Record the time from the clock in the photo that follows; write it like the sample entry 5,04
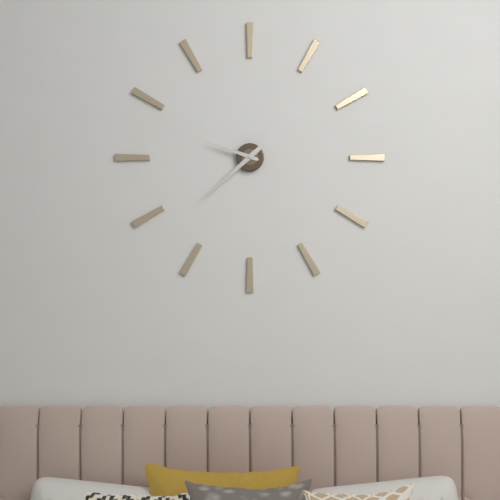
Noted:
9,38
